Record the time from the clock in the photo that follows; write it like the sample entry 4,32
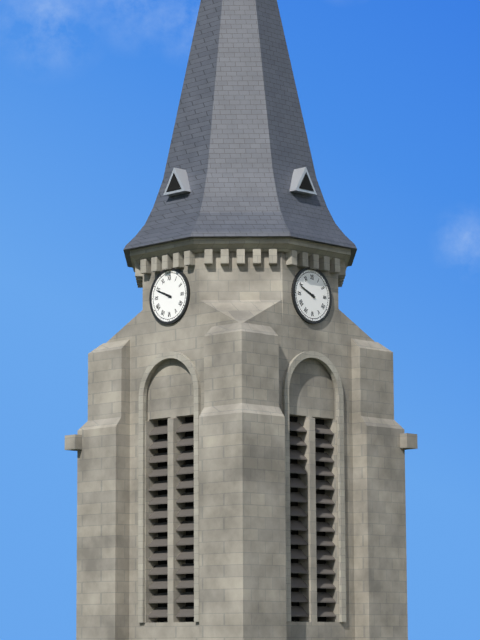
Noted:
9,49
